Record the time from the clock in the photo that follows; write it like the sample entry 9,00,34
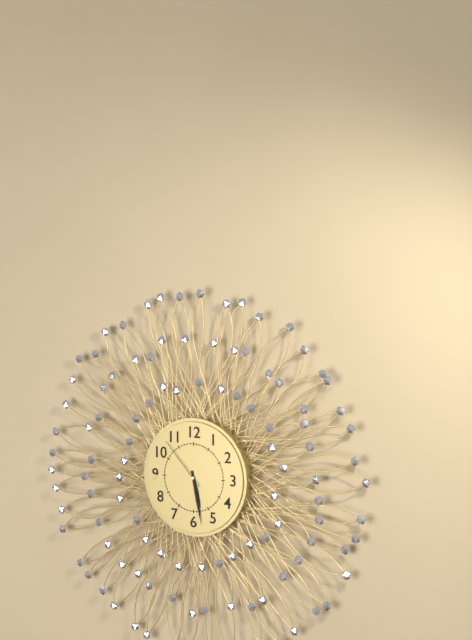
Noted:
5,28,53
